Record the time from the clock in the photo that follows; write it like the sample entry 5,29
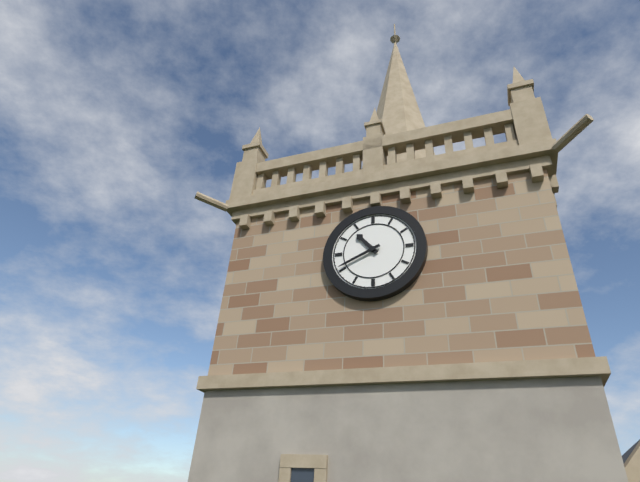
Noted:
10,41
